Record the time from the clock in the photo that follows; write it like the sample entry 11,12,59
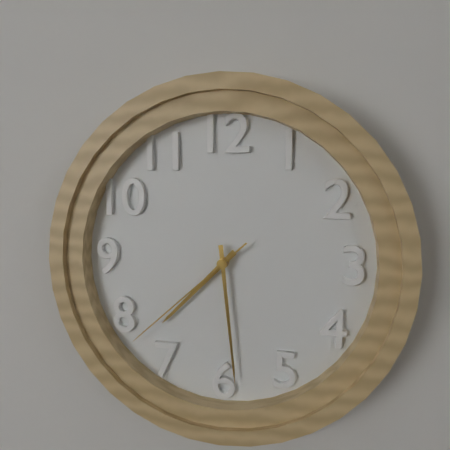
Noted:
7,29,38
